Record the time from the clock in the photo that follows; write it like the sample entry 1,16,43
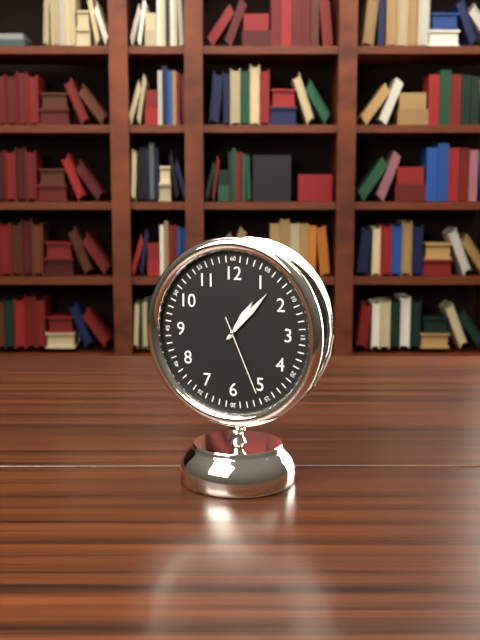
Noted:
1,07,26
